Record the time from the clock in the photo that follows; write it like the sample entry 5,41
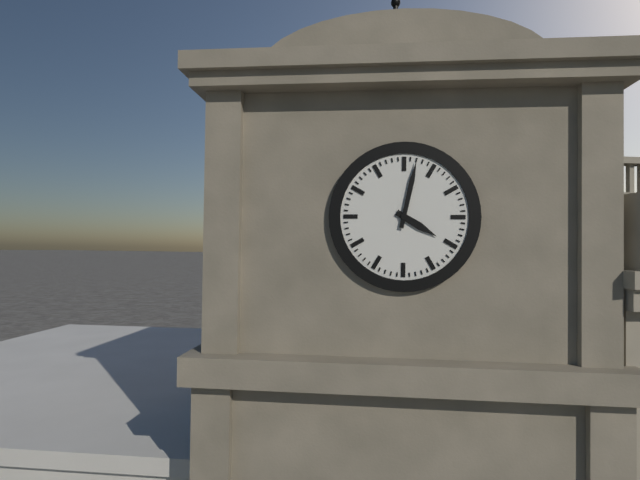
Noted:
4,02
